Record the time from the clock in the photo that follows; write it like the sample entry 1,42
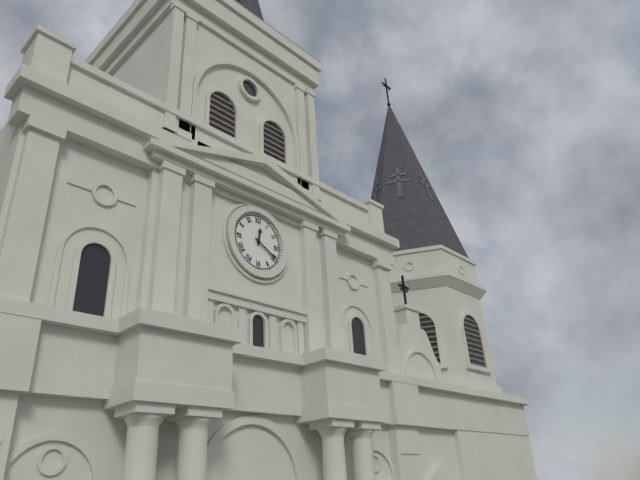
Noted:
12,20
